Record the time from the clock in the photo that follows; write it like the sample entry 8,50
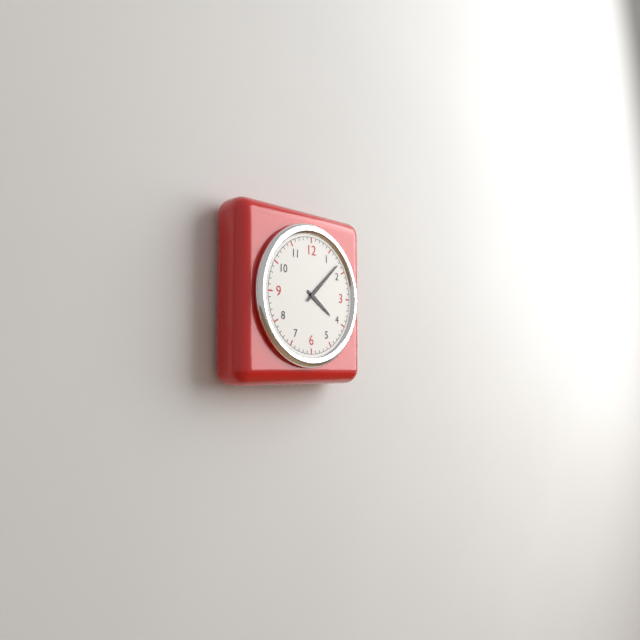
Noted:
4,08
